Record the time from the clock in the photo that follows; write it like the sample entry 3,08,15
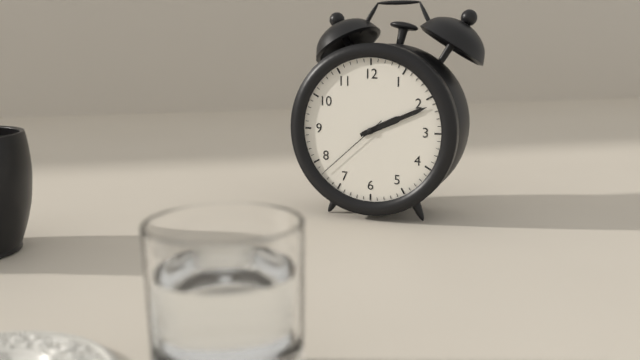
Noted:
2,11,38
